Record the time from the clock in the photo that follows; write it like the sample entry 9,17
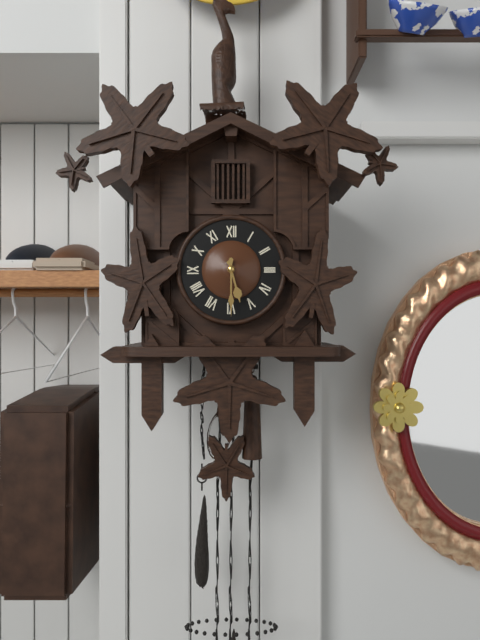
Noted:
5,30
